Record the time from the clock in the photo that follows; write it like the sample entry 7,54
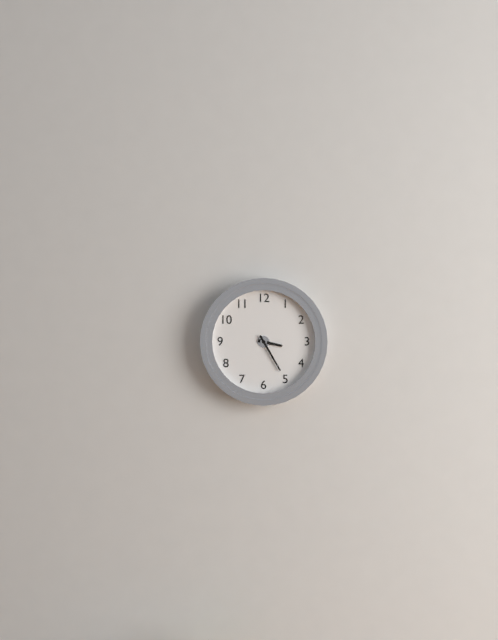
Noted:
3,25
